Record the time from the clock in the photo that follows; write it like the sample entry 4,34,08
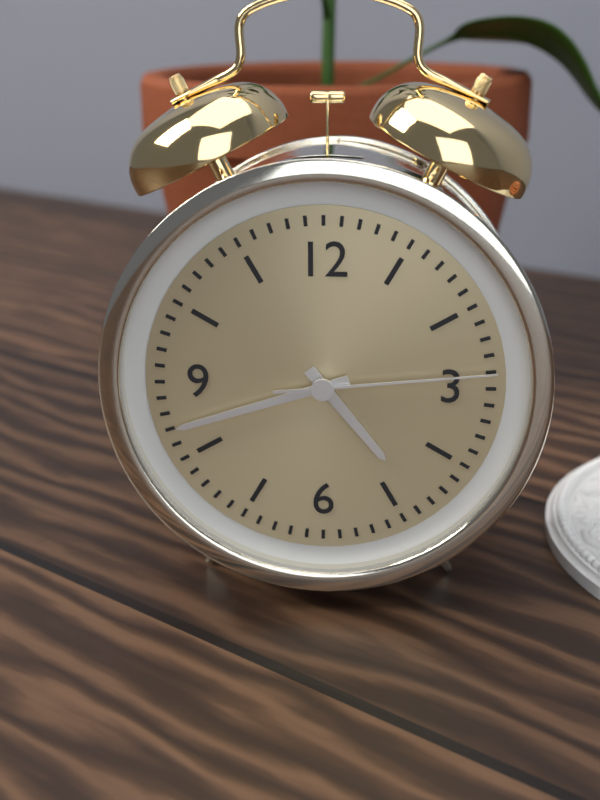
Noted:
4,42,14
